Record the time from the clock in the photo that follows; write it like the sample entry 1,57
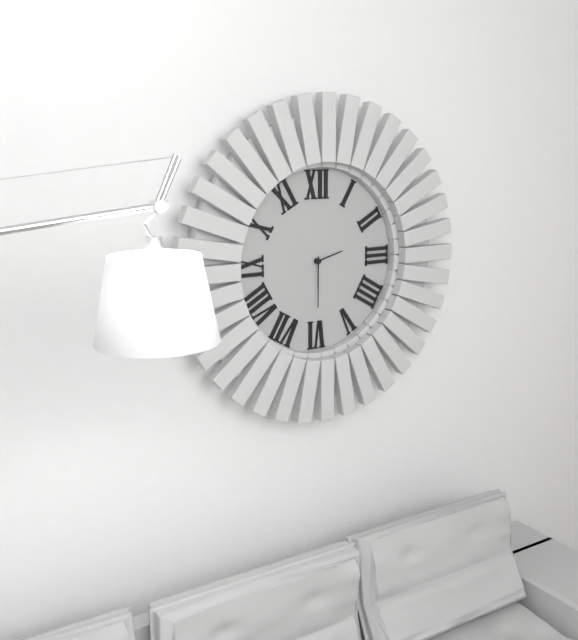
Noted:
2,30
